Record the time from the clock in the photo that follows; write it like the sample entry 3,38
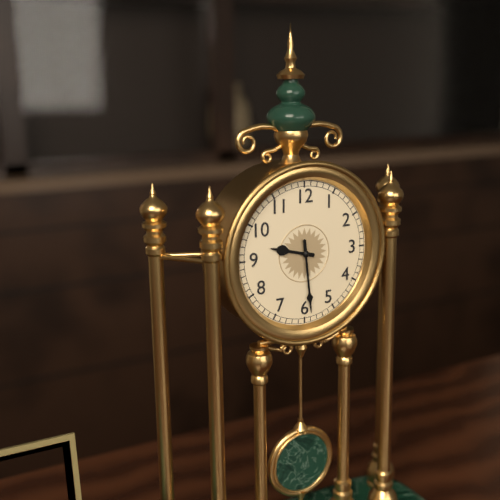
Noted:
9,29
